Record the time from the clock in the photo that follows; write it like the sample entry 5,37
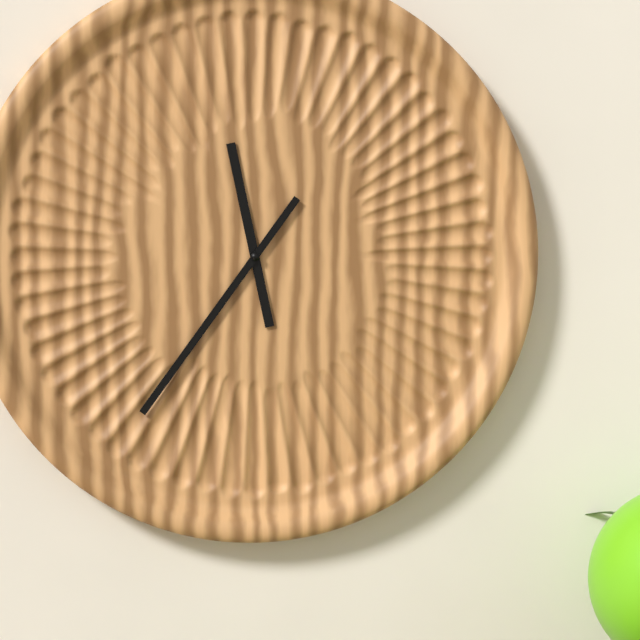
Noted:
11,36
